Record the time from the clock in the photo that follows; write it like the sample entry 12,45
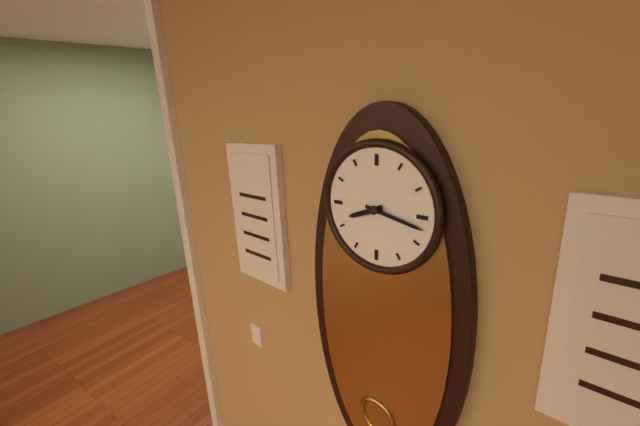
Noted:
8,17
